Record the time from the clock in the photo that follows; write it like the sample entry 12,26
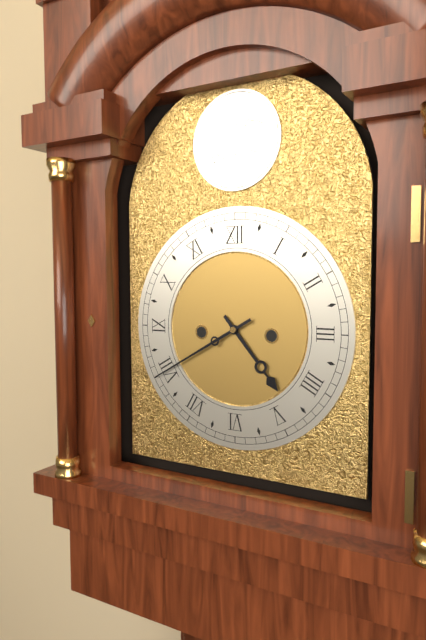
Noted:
4,40
